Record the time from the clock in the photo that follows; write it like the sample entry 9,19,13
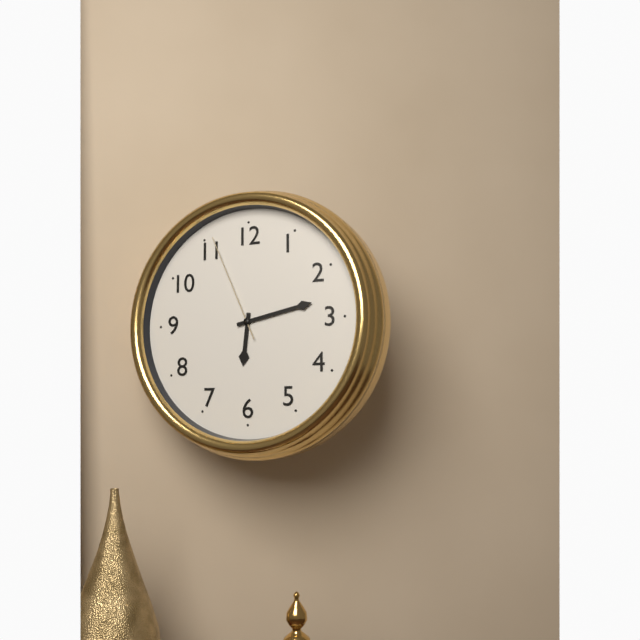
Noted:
6,13,56
